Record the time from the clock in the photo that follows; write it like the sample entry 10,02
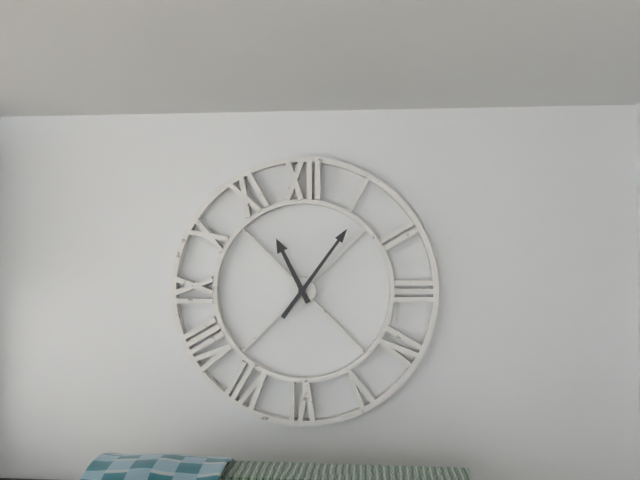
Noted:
11,06
